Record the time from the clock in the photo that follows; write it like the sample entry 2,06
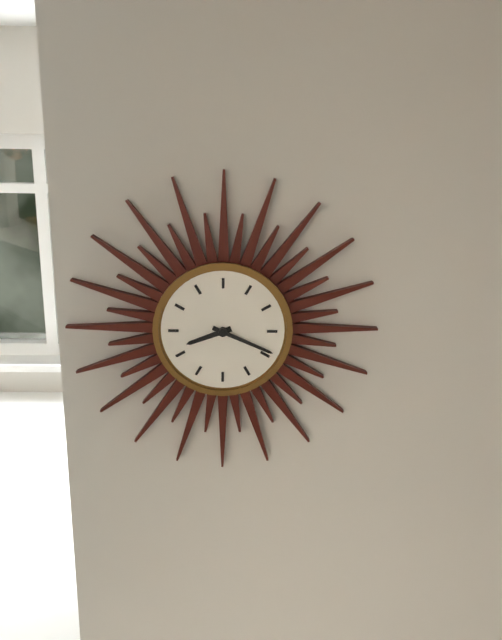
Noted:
8,19
